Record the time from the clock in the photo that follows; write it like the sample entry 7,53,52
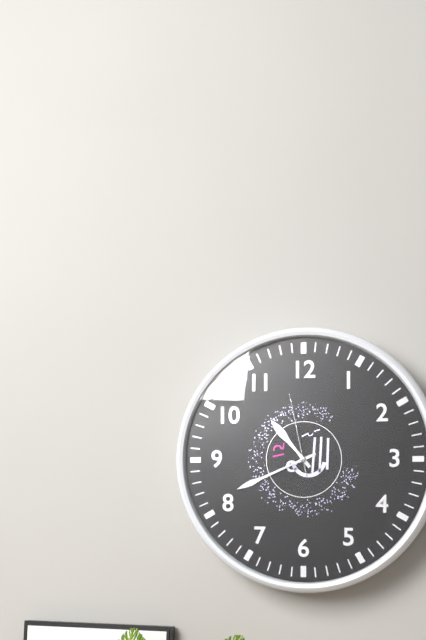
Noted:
10,41,58
